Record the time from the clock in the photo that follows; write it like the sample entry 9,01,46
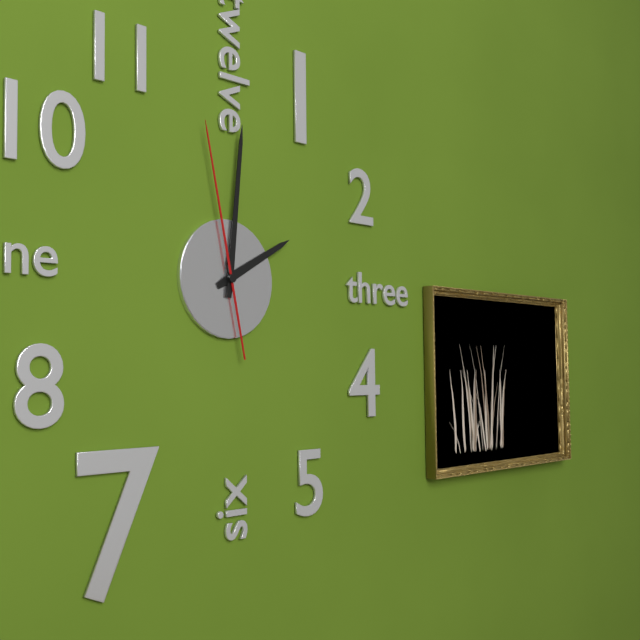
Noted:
2,01,58
